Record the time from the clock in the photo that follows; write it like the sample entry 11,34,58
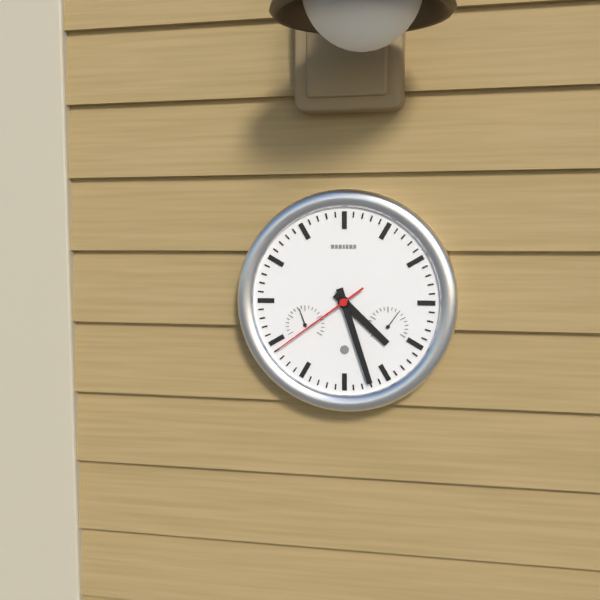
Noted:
4,27,39
